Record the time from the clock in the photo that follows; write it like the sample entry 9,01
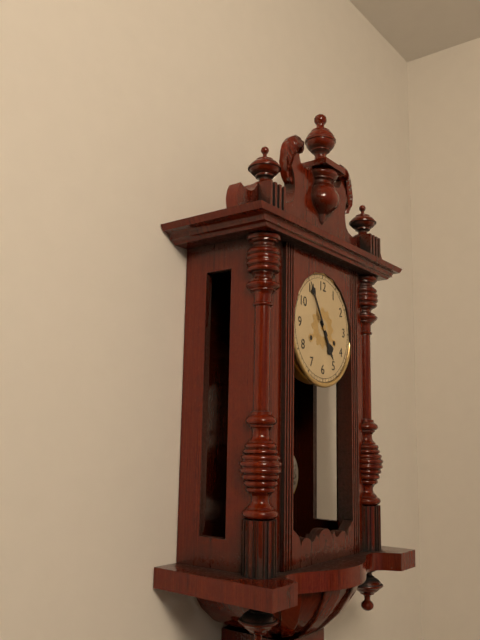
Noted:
4,55
